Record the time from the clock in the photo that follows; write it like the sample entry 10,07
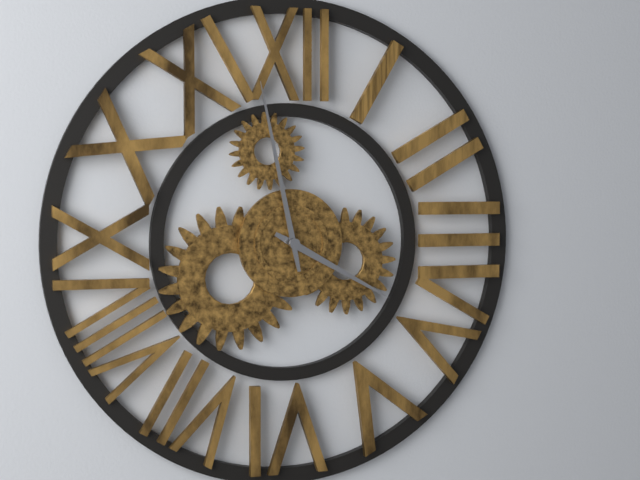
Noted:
3,58
